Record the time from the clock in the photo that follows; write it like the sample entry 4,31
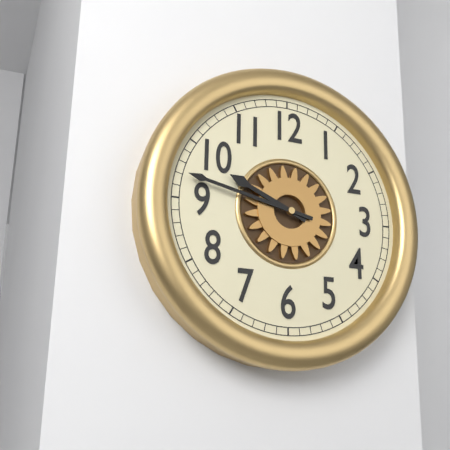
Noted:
9,47
